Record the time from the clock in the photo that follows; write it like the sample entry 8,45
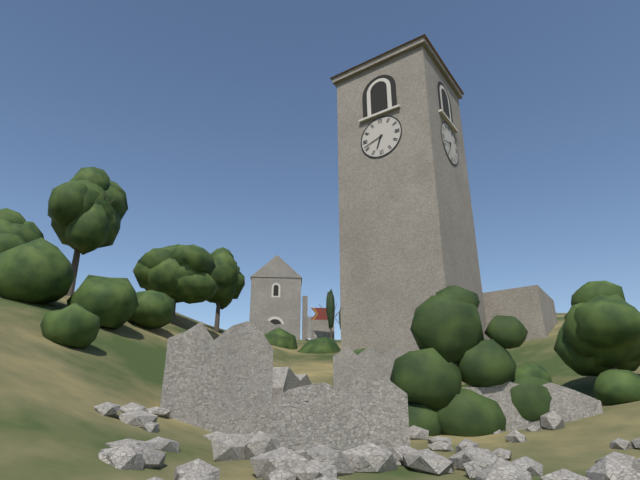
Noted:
6,42
